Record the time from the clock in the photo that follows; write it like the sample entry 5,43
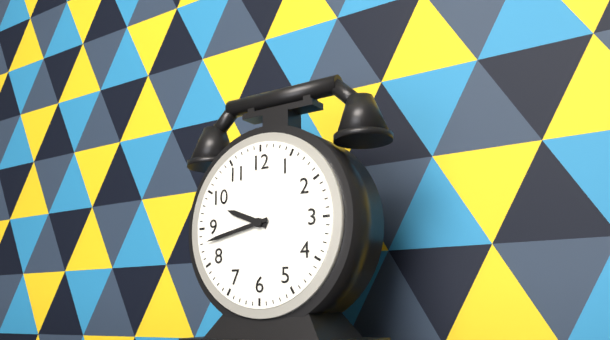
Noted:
9,43
